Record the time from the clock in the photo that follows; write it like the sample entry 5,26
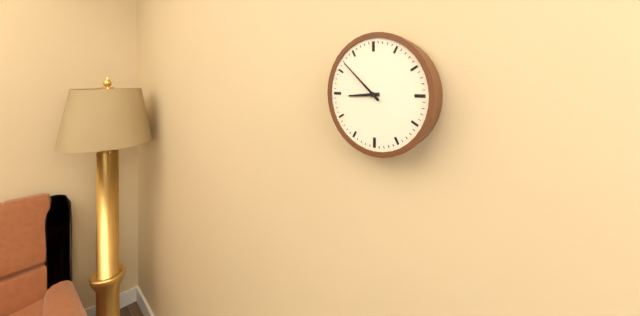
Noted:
8,52
